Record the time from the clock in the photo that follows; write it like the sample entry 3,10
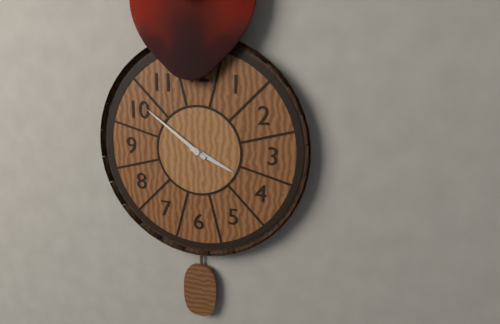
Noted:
3,51
